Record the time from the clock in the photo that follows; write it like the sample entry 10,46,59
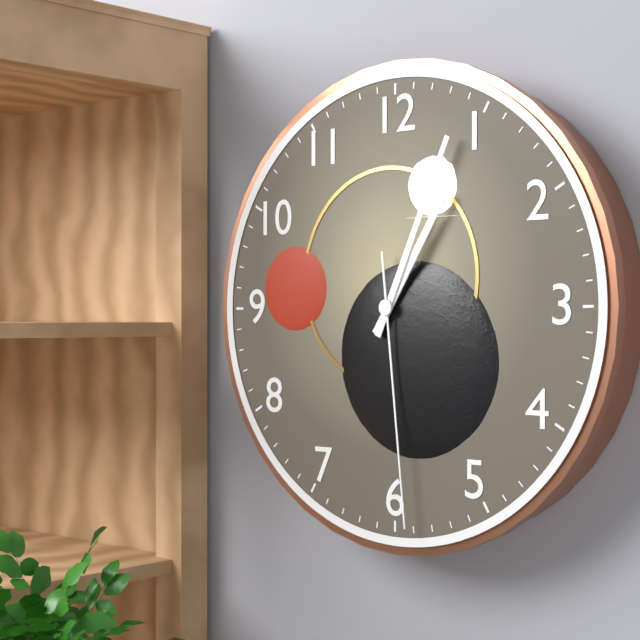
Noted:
1,04,29
